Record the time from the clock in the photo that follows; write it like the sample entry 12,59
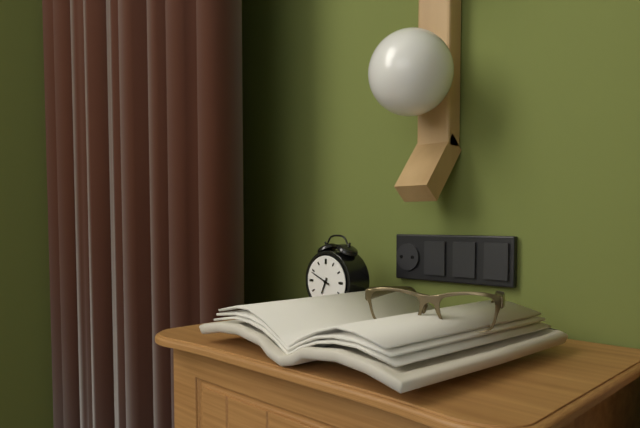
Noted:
6,49
